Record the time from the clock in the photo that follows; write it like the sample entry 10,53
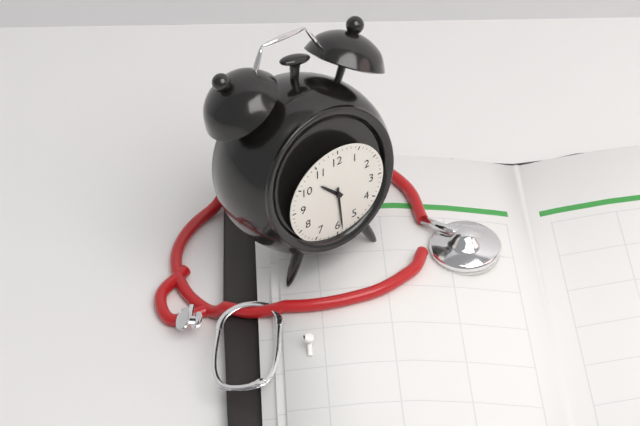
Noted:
10,29
